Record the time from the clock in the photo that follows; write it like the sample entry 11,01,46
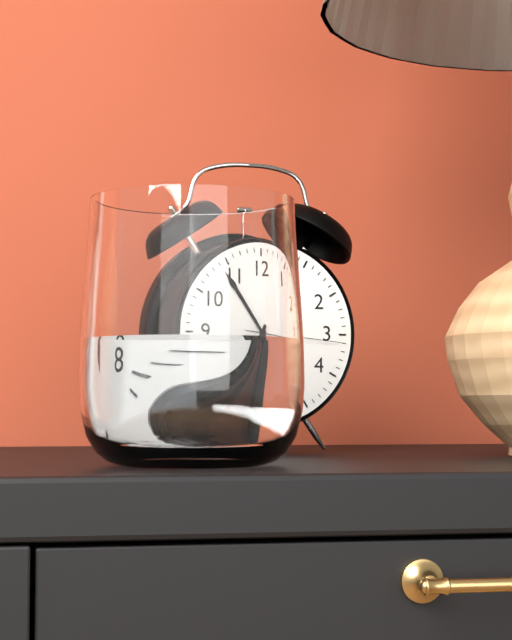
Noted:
6,54,16
